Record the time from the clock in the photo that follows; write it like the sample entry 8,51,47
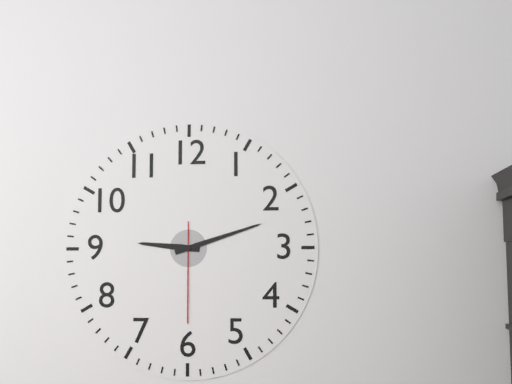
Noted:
9,12,30
